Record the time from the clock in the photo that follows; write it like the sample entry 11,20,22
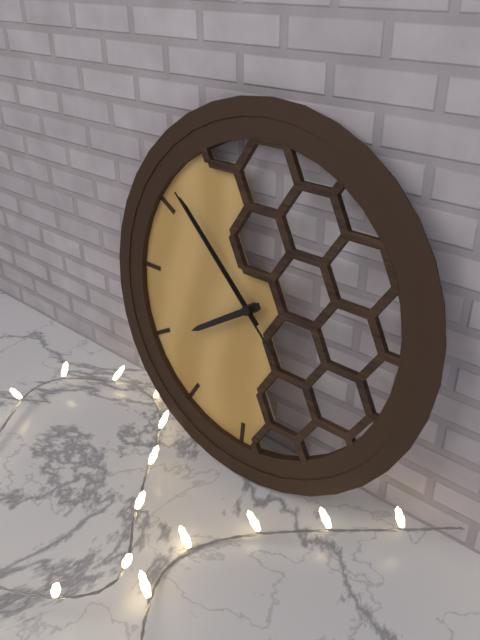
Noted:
7,52,52
